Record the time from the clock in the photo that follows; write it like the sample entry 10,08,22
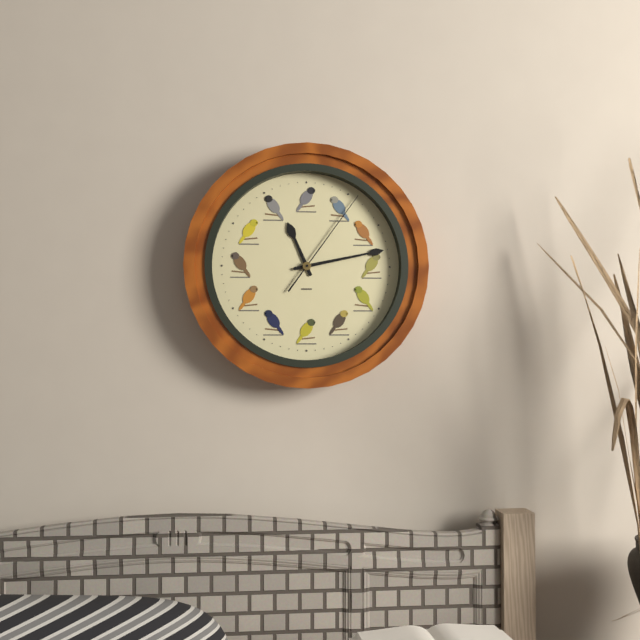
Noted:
11,13,06
